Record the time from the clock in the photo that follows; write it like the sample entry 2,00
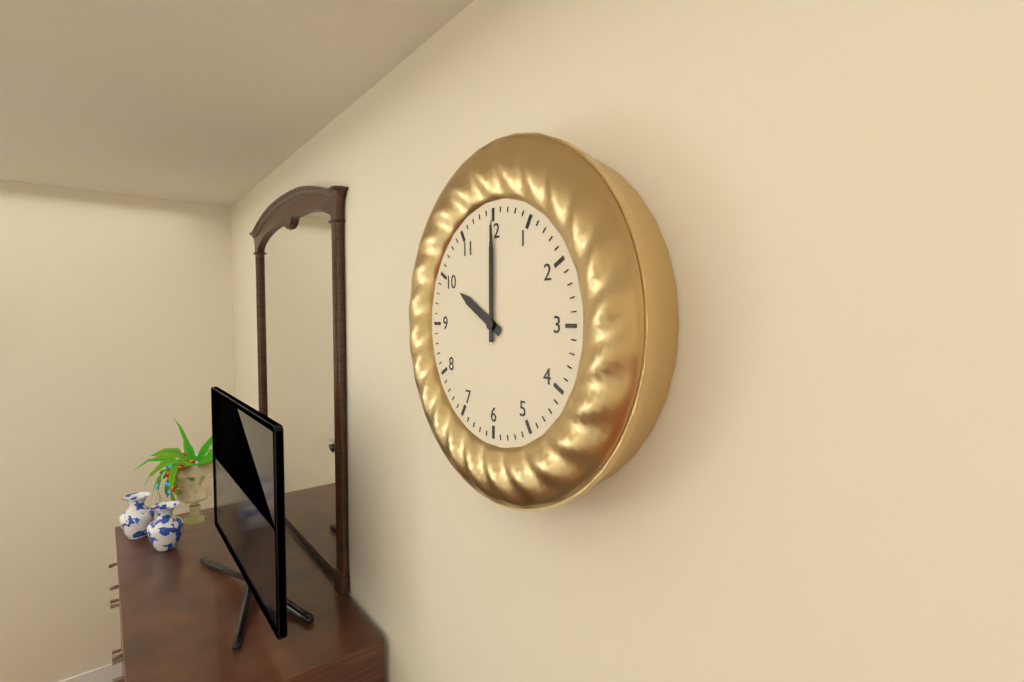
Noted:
10,00
